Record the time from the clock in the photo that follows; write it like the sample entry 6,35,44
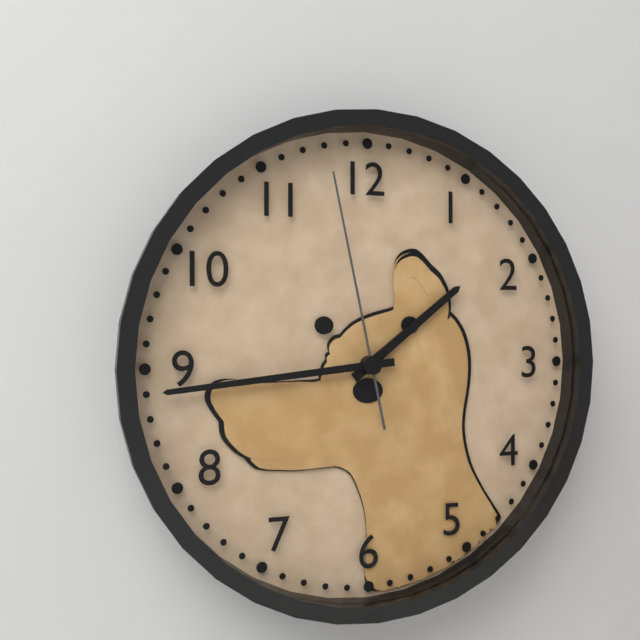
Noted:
1,44,58
